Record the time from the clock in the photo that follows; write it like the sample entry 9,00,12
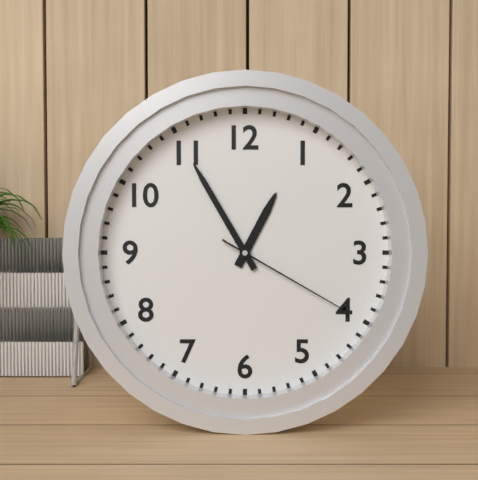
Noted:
12,55,20
